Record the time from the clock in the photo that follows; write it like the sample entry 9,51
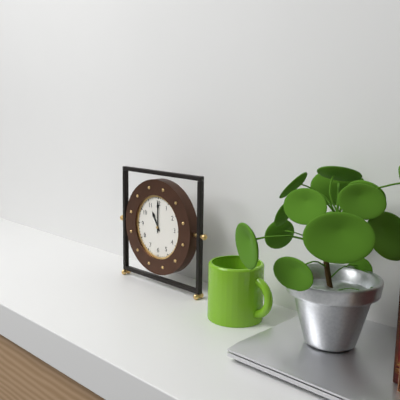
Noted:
11,00
